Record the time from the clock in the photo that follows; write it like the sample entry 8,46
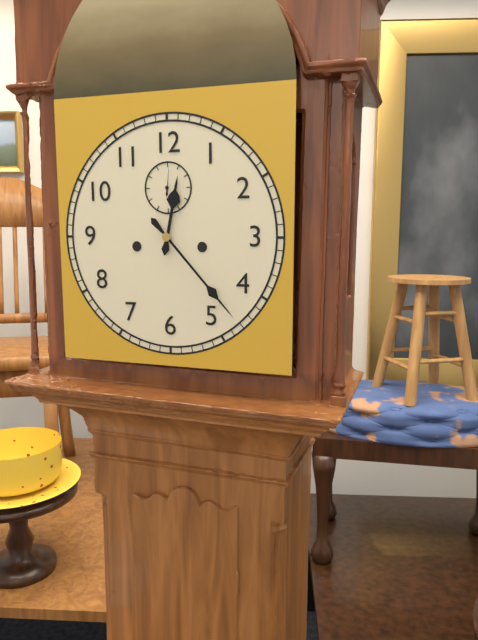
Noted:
12,23
